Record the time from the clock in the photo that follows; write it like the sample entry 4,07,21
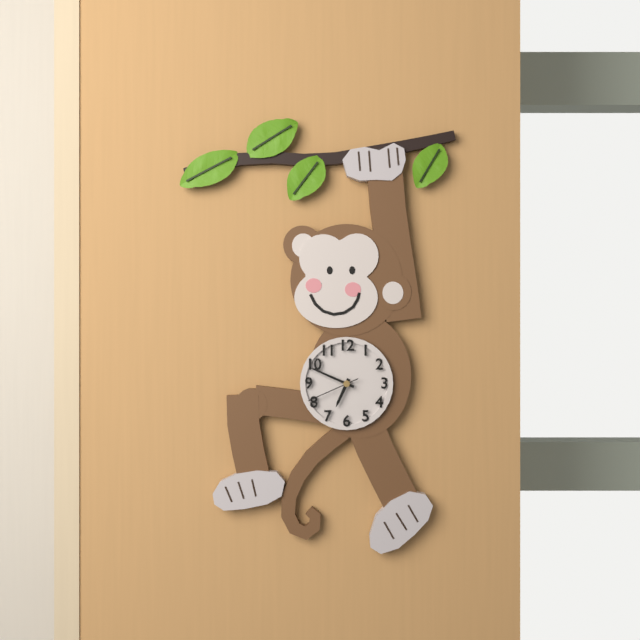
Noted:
6,49,41
